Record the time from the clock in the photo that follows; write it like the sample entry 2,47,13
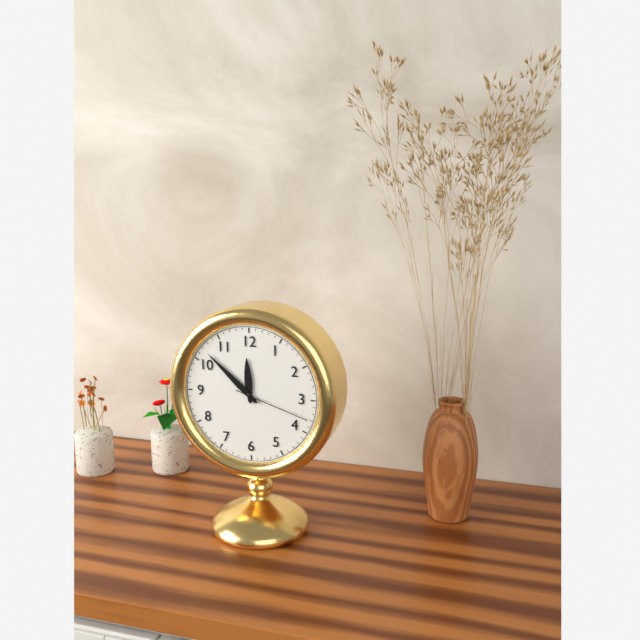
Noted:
11,52,18
